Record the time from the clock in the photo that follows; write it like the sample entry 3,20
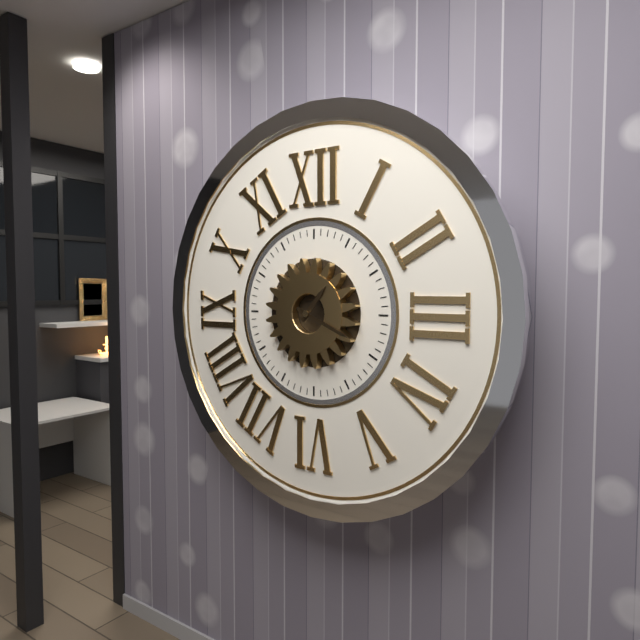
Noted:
1,19
